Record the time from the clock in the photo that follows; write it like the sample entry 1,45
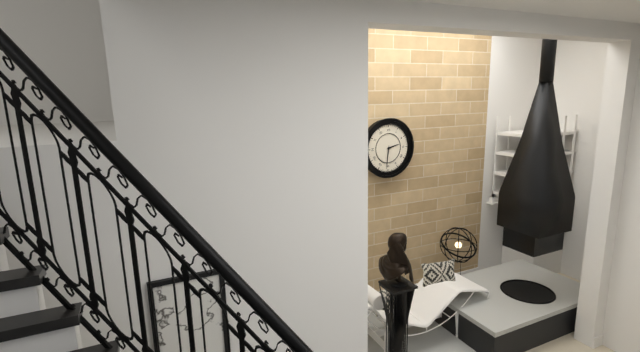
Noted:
2,31
